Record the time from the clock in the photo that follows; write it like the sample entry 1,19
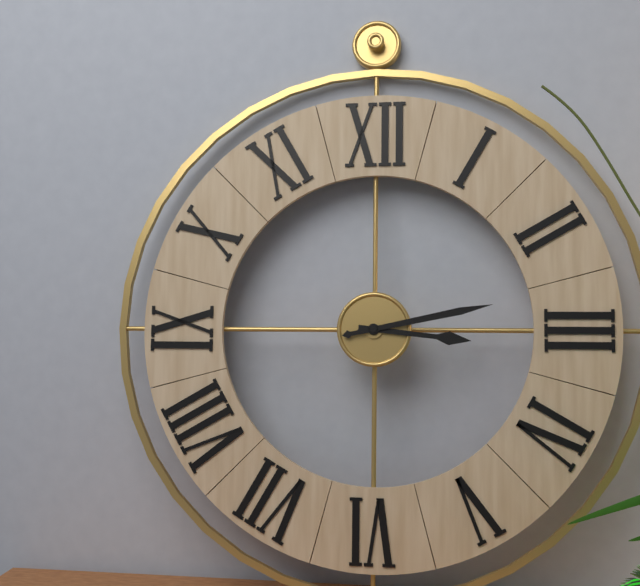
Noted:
3,13
